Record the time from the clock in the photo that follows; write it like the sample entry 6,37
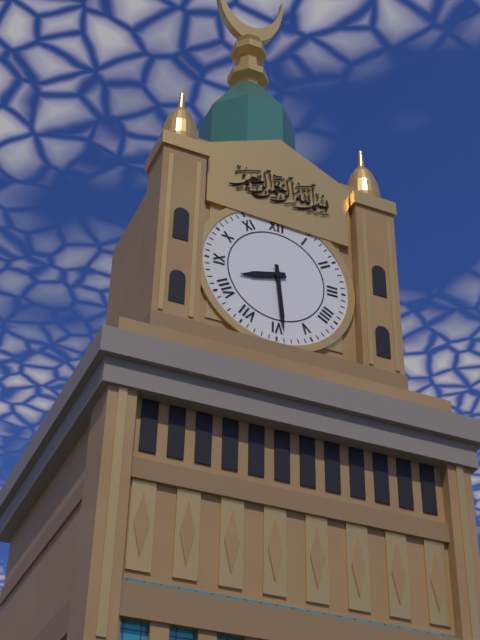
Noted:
8,29
